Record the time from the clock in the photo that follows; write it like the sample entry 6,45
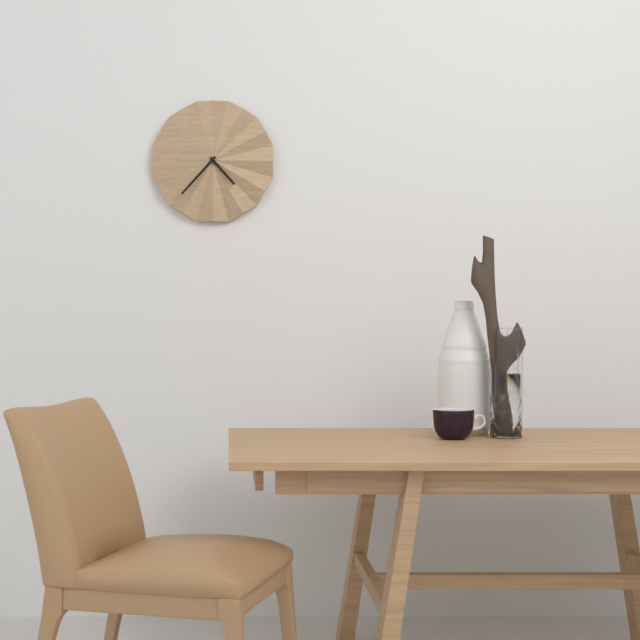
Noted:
4,37
